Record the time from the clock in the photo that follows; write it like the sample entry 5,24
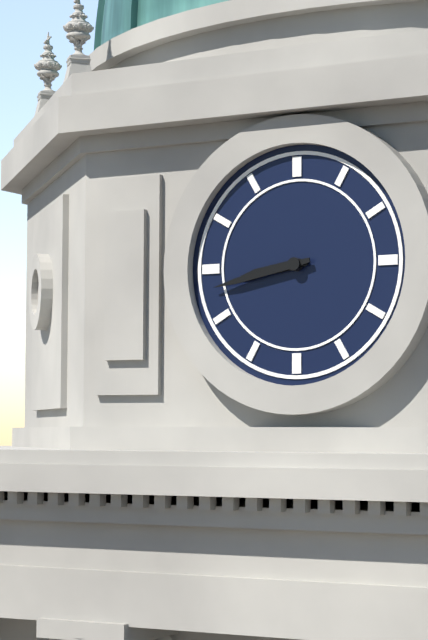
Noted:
8,43
